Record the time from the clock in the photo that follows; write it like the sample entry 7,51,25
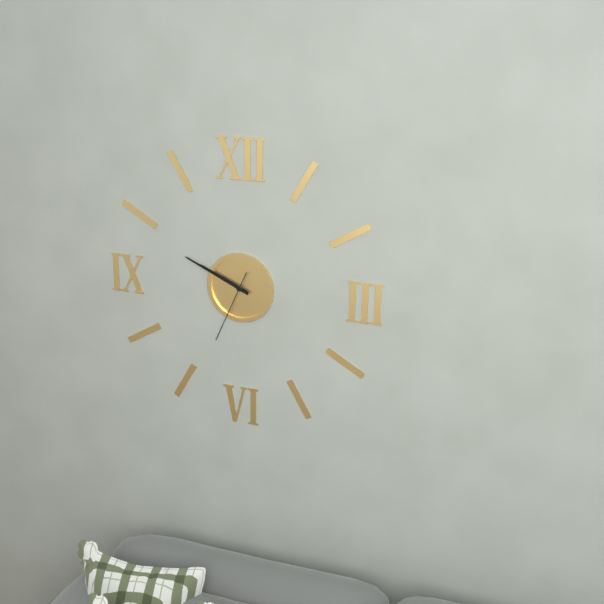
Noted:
9,49,34
